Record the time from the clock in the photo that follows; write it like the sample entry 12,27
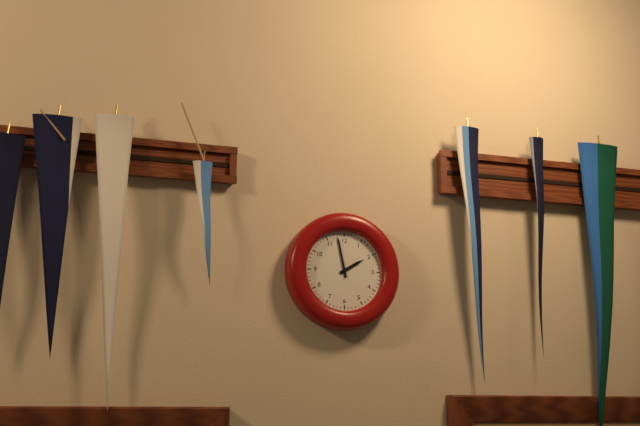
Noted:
1,58
